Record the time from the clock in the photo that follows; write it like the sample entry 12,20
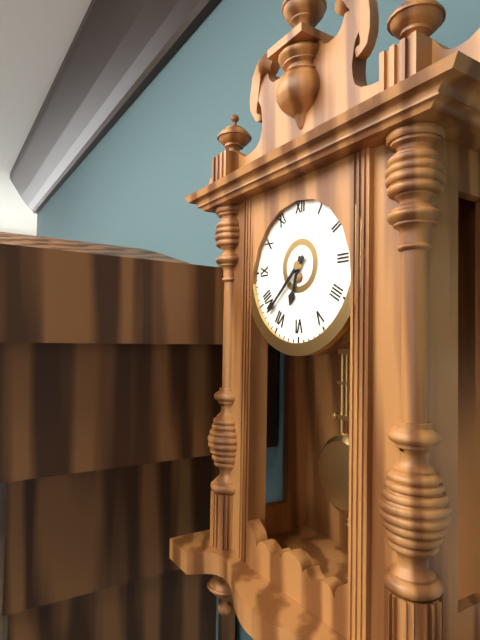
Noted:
6,38
